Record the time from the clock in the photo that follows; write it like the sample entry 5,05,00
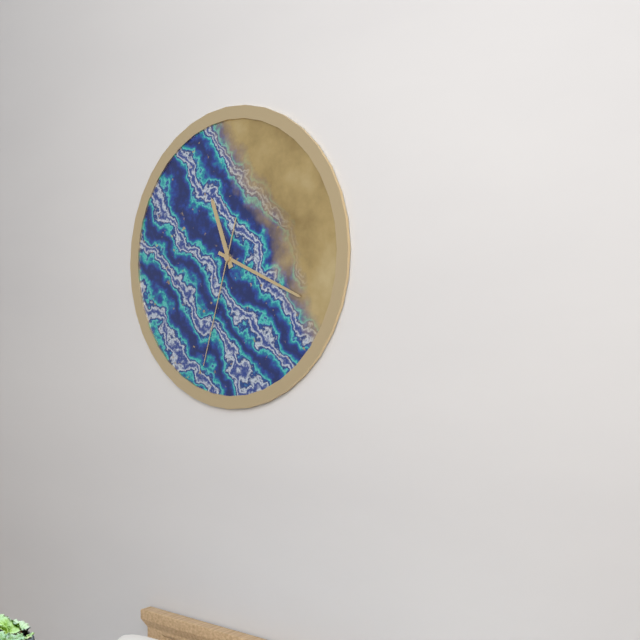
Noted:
11,19,33
